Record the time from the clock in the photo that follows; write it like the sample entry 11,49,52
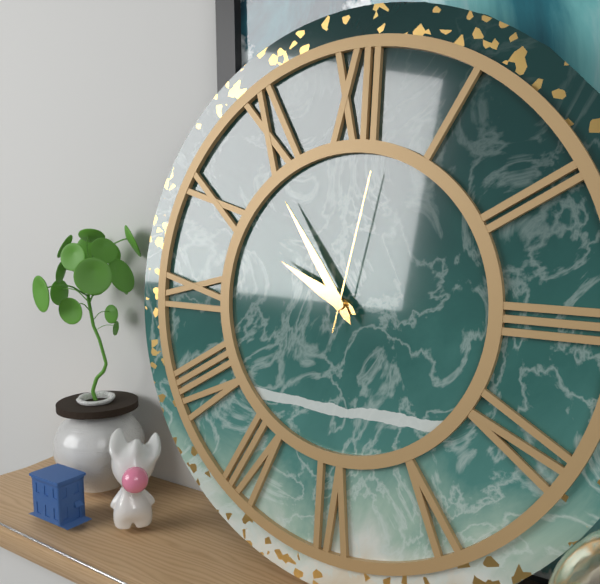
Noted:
9,54,02
